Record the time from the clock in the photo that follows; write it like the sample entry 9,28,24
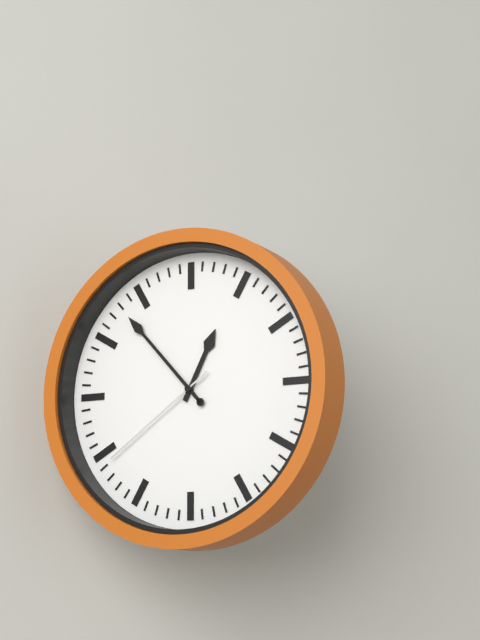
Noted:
12,53,39
